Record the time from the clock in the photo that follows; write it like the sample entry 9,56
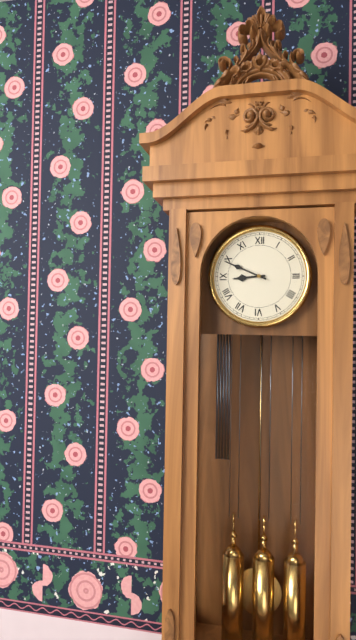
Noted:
8,49
